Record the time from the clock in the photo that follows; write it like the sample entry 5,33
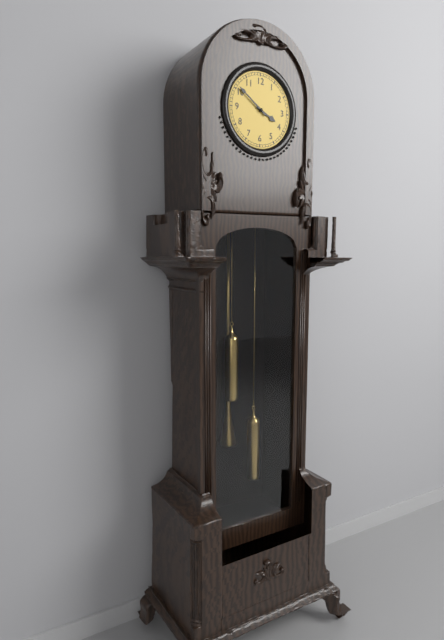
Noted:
3,51
